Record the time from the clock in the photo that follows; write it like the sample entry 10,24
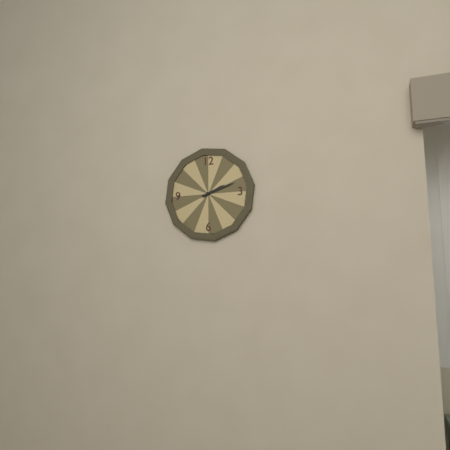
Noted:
2,12
